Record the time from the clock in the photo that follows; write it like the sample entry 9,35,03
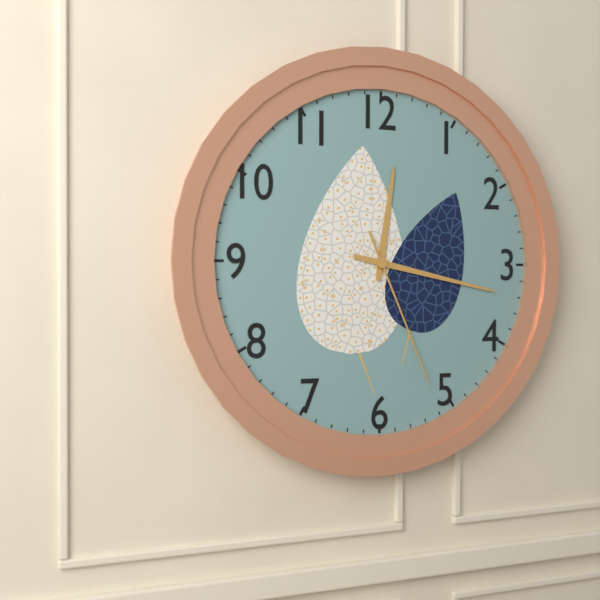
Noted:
12,17,26
